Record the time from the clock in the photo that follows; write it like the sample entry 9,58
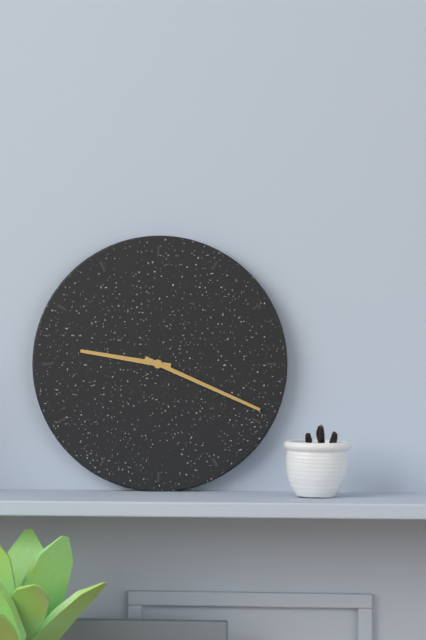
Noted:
9,19
